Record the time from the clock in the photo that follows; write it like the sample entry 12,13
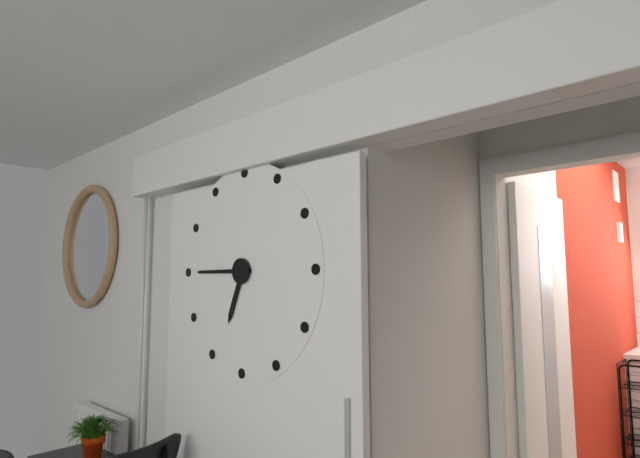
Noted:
6,45
